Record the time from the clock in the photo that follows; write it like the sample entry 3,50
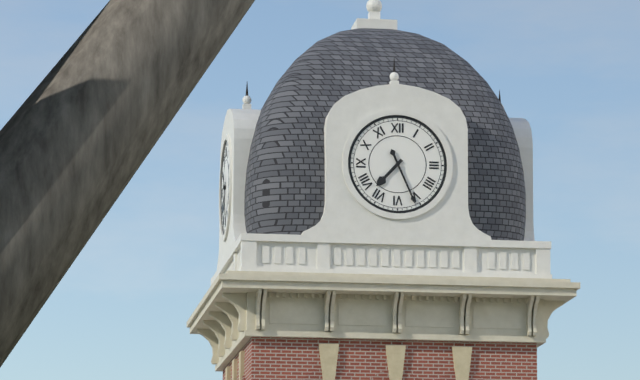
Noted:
7,26
